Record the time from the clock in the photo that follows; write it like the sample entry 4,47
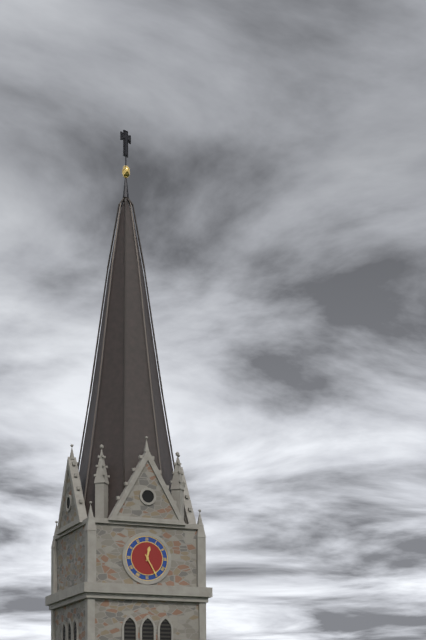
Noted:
12,25
